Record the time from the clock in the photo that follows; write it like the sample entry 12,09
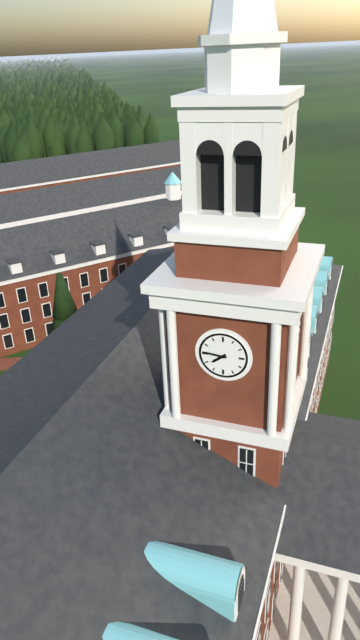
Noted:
7,46
